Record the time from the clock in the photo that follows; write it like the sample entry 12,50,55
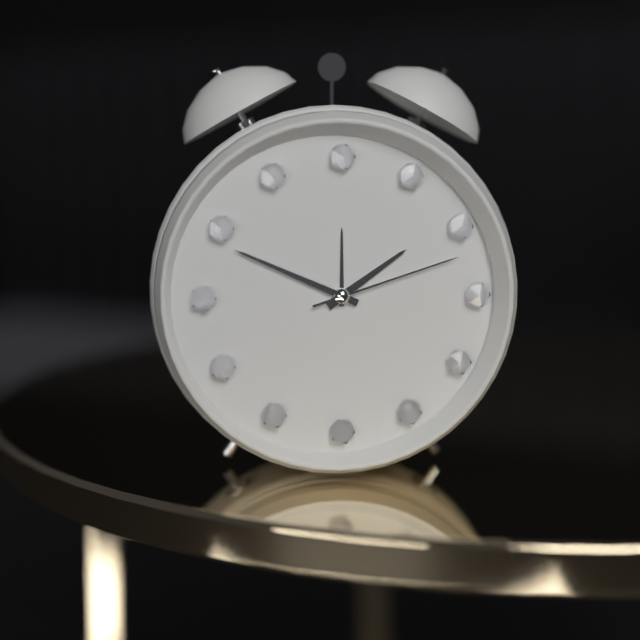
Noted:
1,49,12
